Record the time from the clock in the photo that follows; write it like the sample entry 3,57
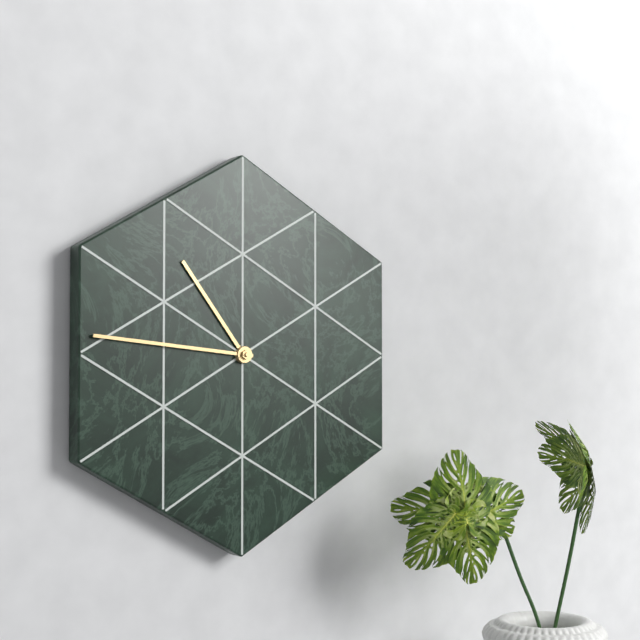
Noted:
10,46
